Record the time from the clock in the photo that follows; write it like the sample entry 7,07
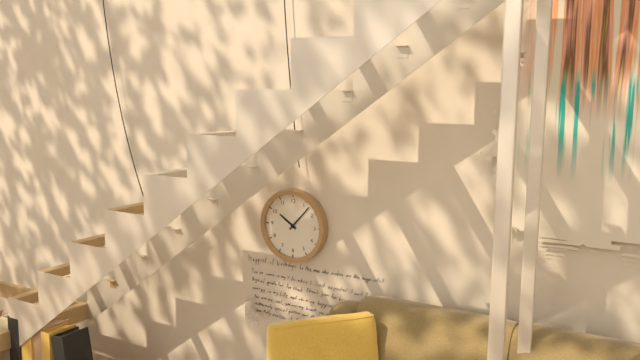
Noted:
10,07
